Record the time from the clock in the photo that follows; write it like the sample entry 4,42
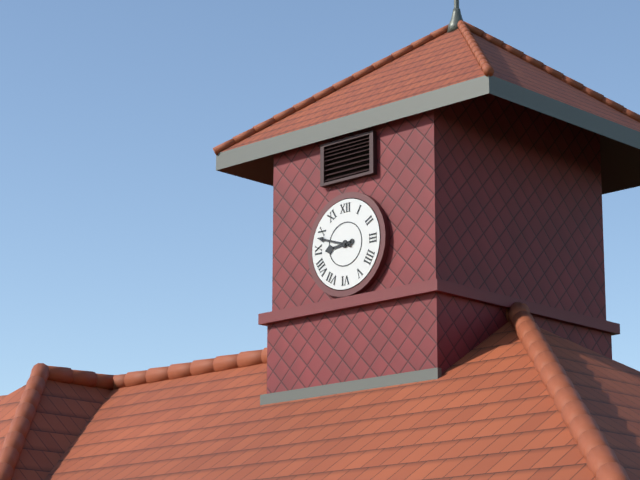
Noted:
8,48
